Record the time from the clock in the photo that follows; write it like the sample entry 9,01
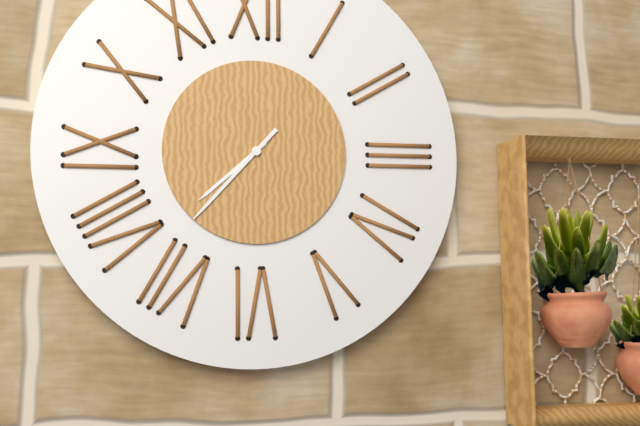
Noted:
7,37
